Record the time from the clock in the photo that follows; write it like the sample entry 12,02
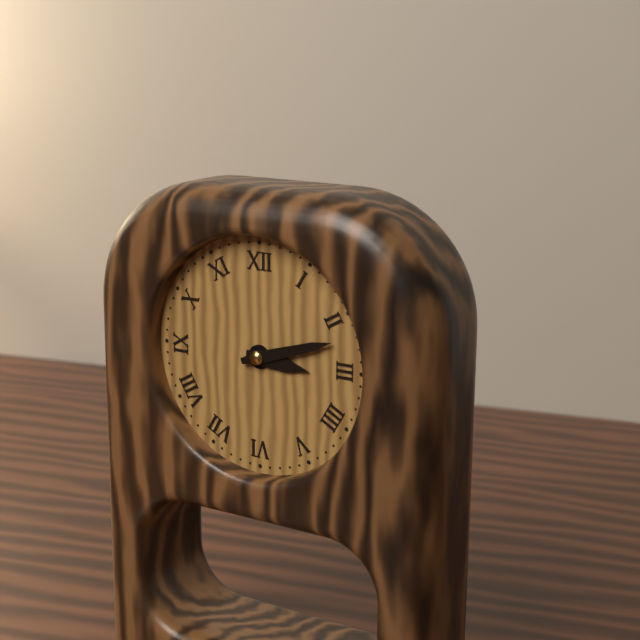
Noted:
3,12
